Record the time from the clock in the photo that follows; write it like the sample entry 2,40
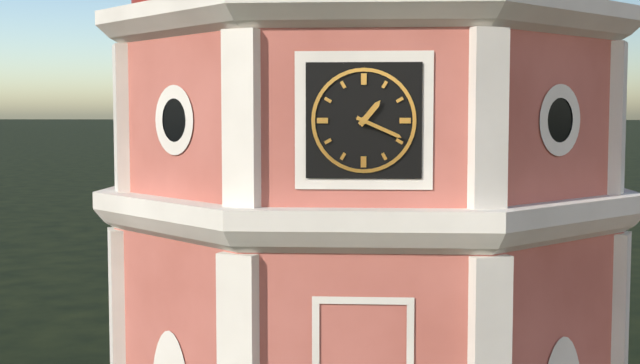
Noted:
1,19
